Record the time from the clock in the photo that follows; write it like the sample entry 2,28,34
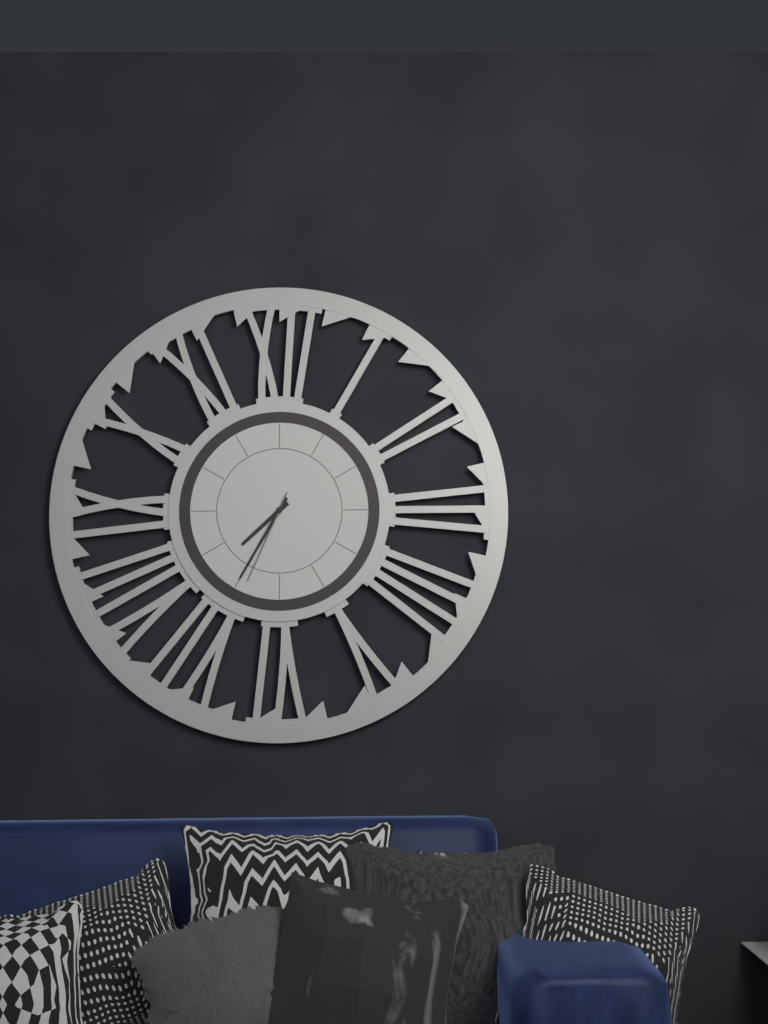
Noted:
7,35,34
